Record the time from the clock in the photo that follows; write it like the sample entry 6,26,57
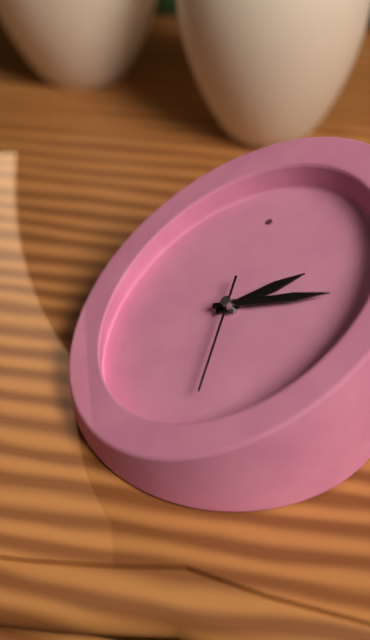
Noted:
3,20,36
